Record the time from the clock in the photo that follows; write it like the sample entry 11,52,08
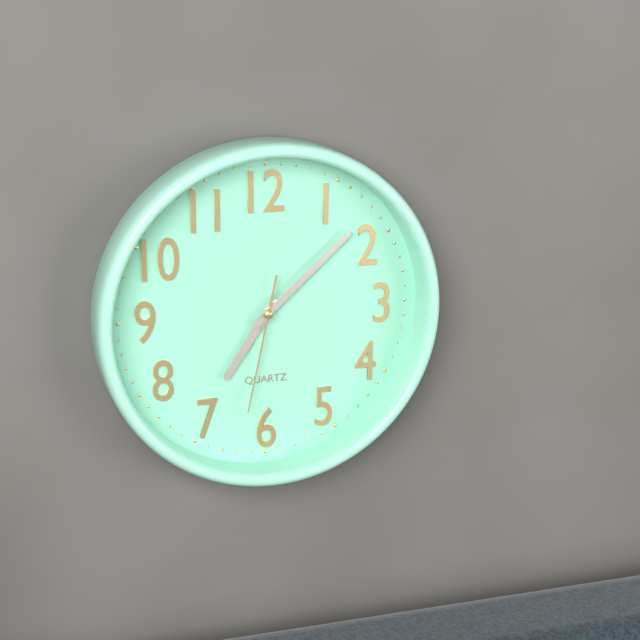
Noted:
7,08,32
